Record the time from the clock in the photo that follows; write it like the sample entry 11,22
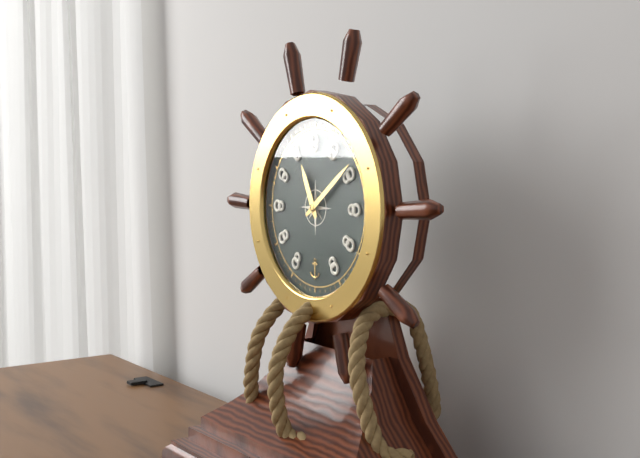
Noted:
11,09
